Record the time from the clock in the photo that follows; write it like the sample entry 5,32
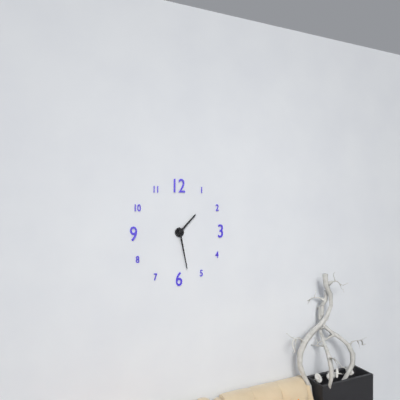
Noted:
1,28
